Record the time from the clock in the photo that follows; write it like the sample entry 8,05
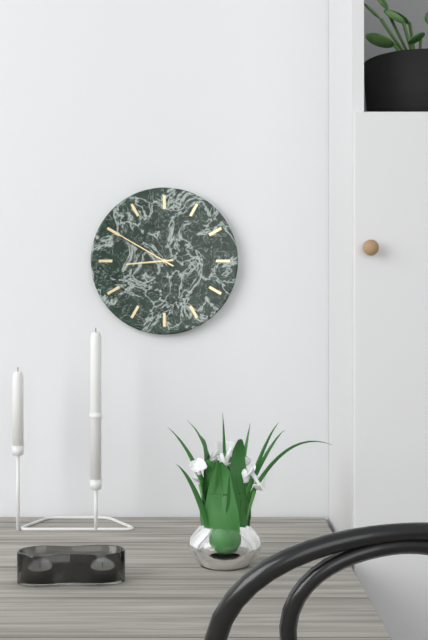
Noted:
8,50
